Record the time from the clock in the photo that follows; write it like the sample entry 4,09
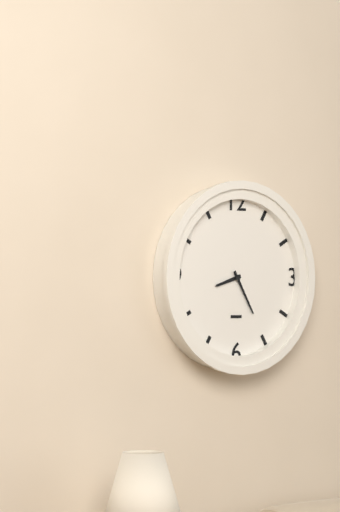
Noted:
8,25
